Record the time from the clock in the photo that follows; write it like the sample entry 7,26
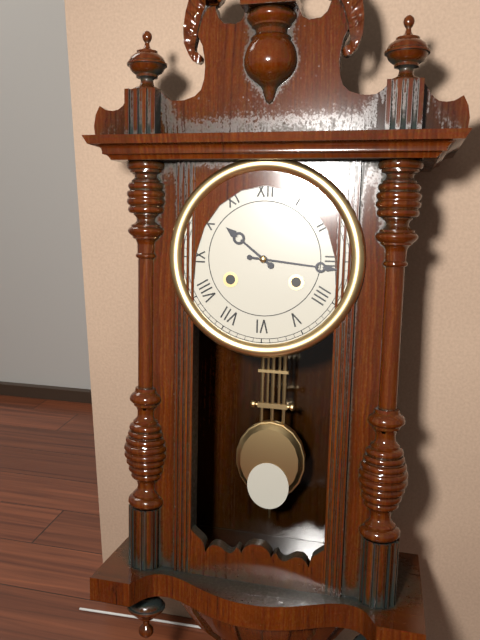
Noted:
10,16
